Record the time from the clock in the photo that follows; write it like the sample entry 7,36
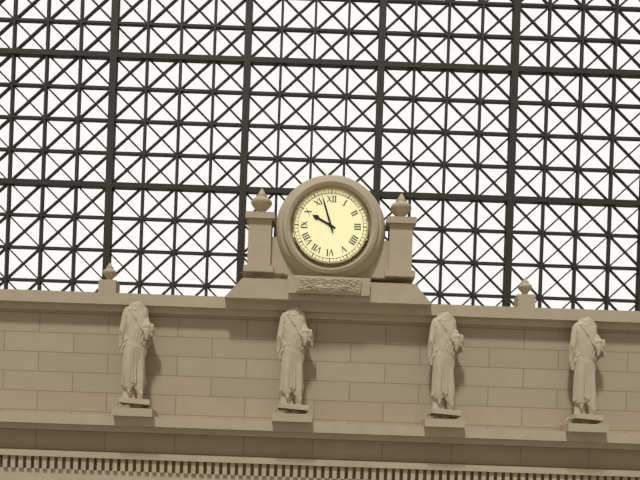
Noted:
9,57
